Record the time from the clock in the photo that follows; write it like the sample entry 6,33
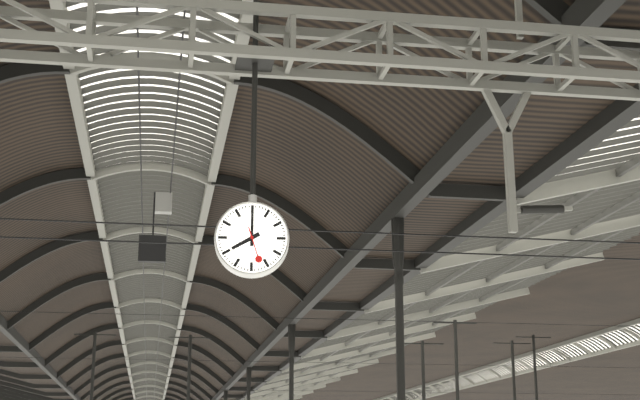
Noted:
8,00
